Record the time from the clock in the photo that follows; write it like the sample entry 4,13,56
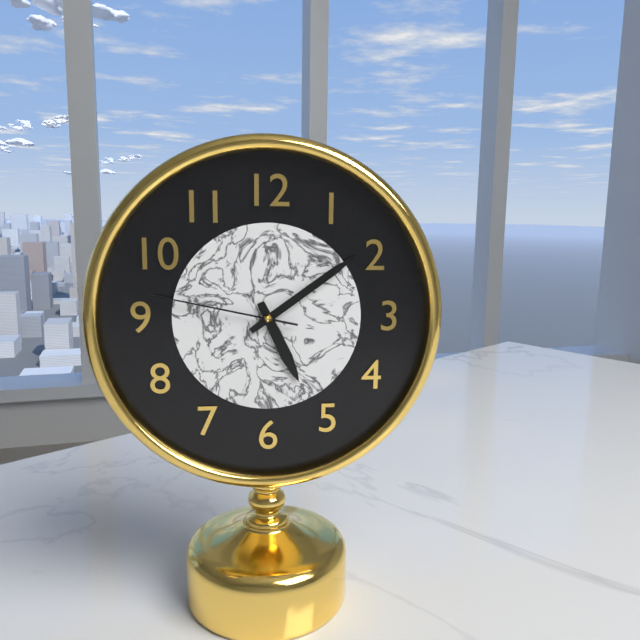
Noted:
5,09,47
